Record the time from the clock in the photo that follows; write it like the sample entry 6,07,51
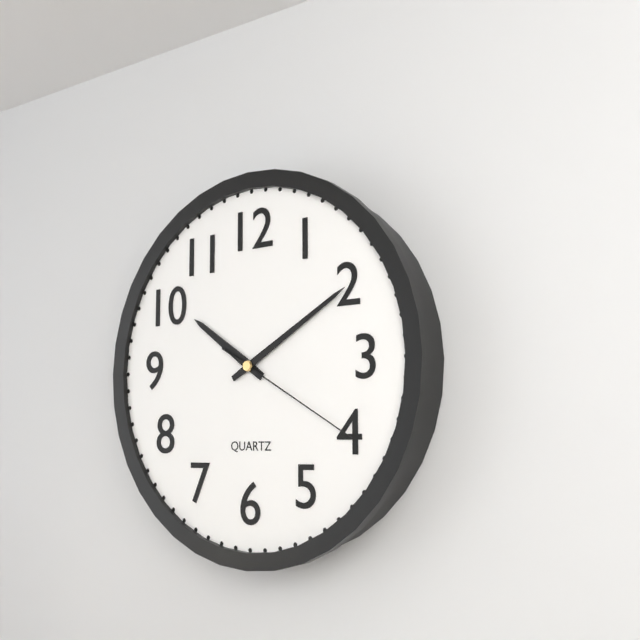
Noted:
10,10,20
